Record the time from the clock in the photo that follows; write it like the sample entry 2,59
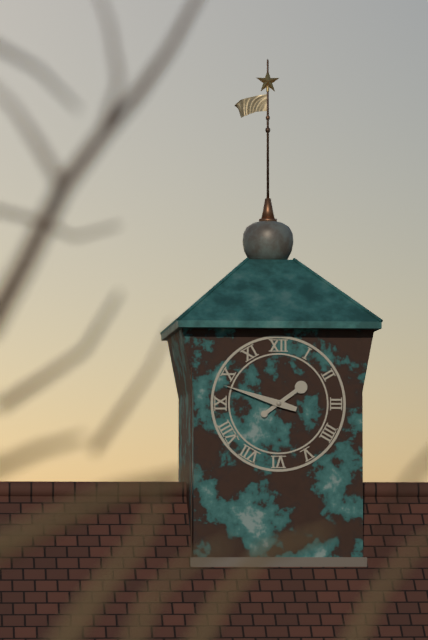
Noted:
1,48
